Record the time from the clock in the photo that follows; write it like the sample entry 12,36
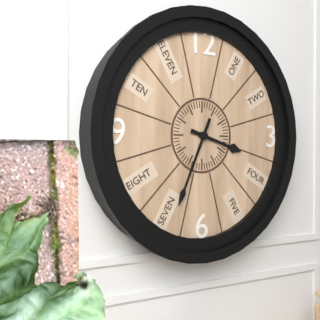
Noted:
3,34
